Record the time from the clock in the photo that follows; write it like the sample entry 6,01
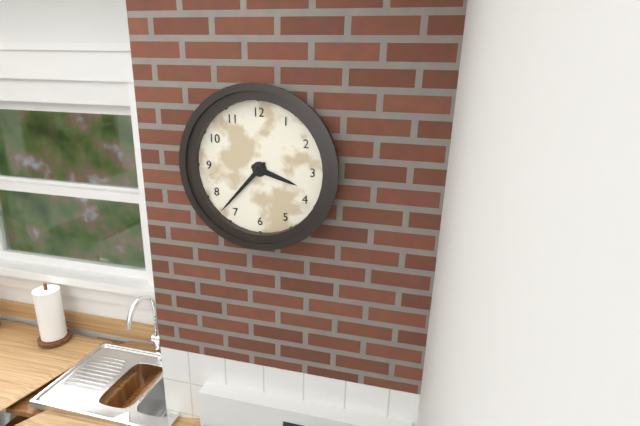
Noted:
3,37
